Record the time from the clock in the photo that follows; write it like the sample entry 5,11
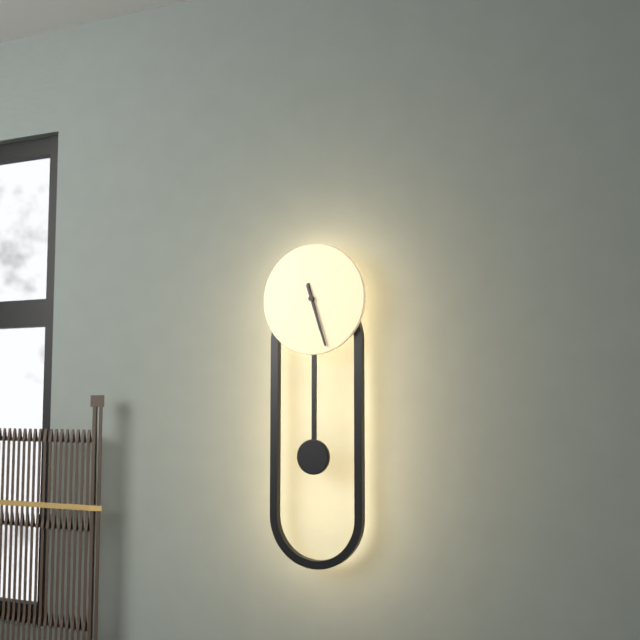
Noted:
5,27
